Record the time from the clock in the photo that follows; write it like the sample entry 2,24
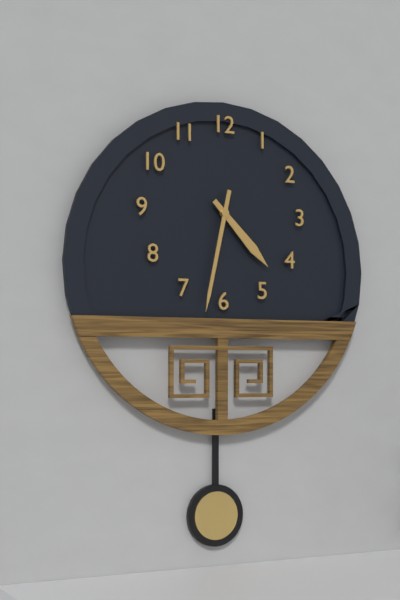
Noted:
4,32
